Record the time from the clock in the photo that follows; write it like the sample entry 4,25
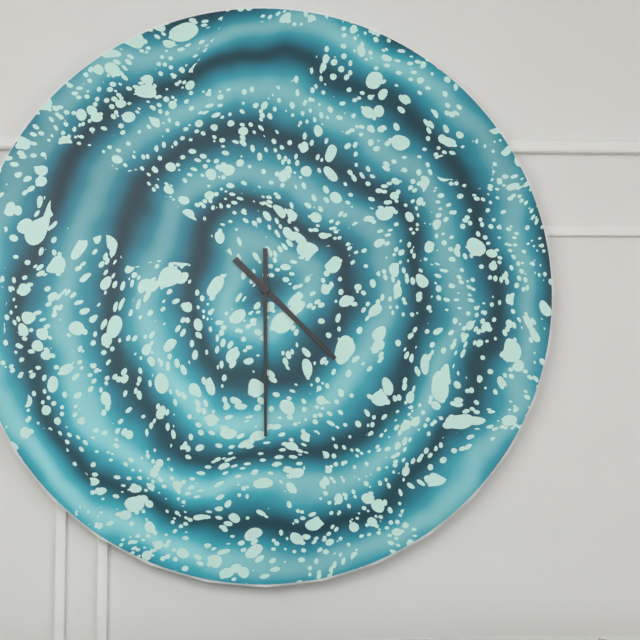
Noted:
4,30
